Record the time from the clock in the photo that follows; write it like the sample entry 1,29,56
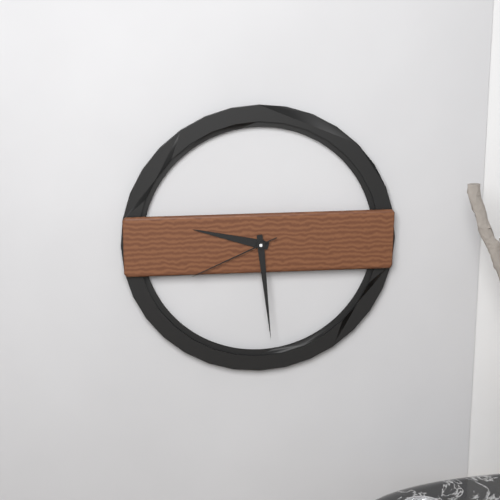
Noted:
9,29,41
